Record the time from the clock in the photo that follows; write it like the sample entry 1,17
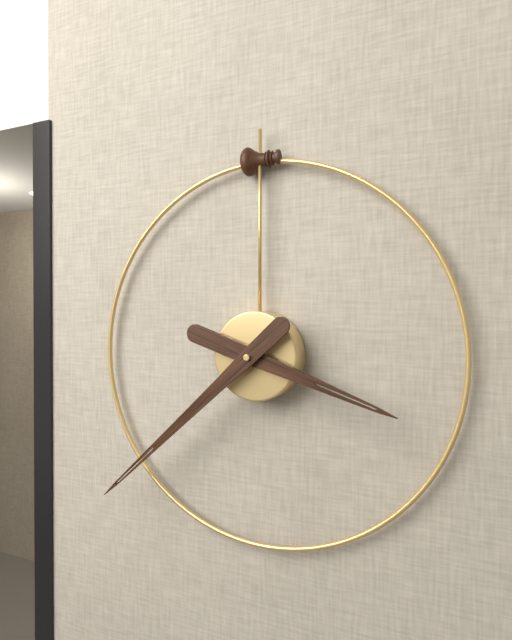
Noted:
3,38
